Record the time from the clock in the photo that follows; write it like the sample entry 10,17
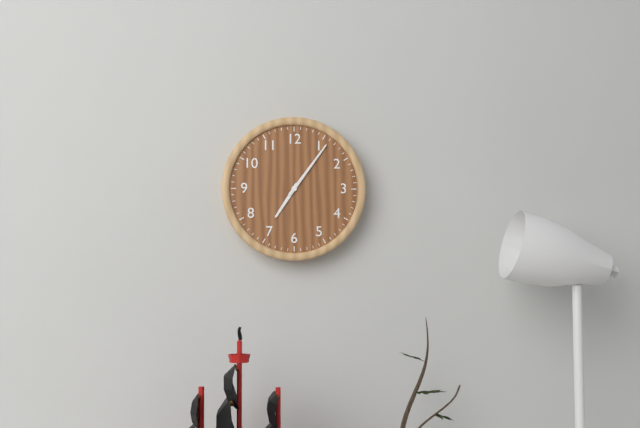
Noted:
7,06
